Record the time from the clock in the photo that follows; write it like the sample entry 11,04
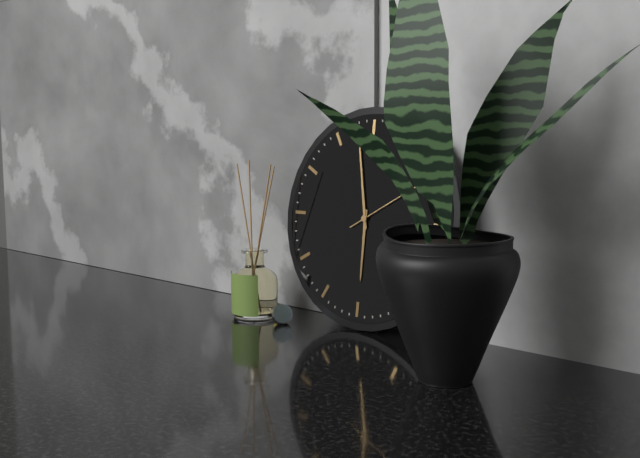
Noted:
5,58
